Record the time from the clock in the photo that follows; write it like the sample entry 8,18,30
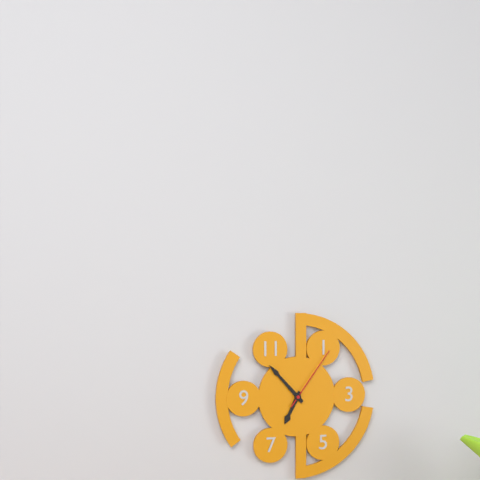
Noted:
6,53,06
